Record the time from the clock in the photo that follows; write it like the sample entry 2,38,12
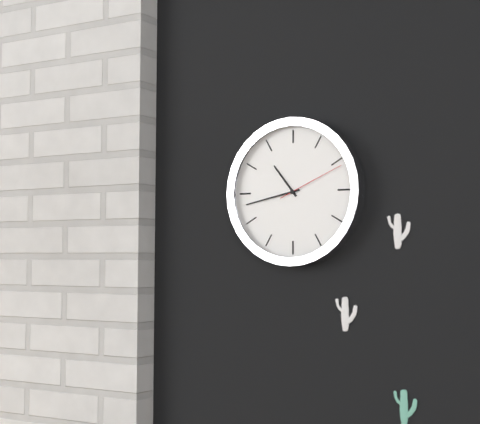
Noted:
10,43,11
